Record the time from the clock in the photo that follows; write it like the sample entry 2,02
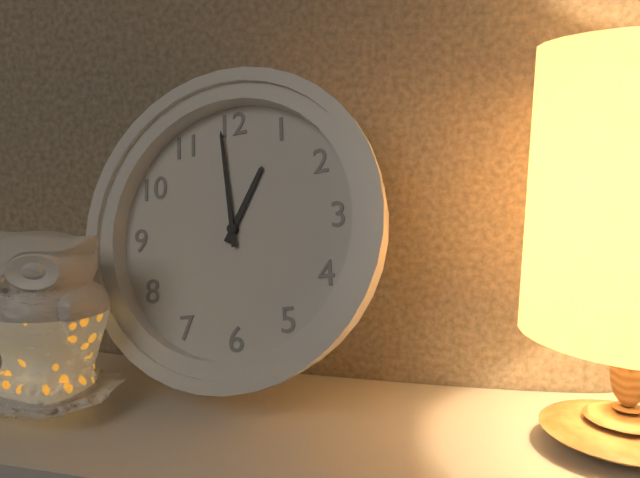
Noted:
12,59
